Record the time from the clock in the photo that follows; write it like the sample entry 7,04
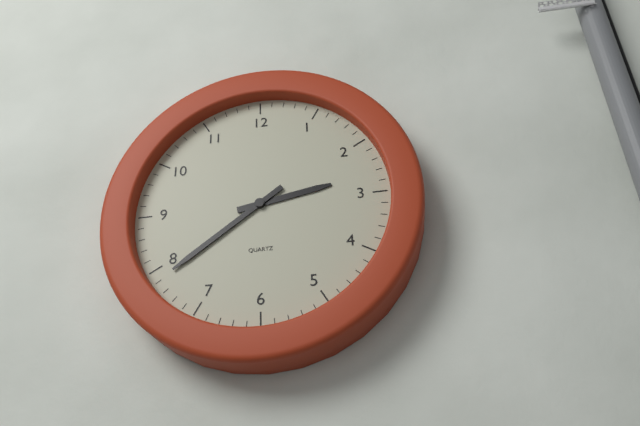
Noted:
2,39
